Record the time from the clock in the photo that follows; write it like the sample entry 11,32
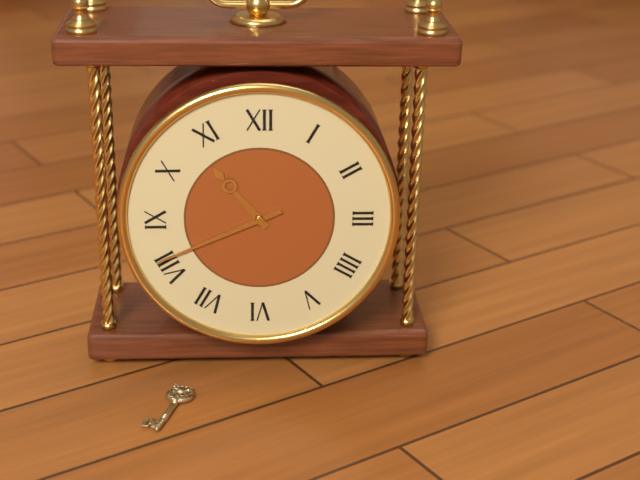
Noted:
10,41
